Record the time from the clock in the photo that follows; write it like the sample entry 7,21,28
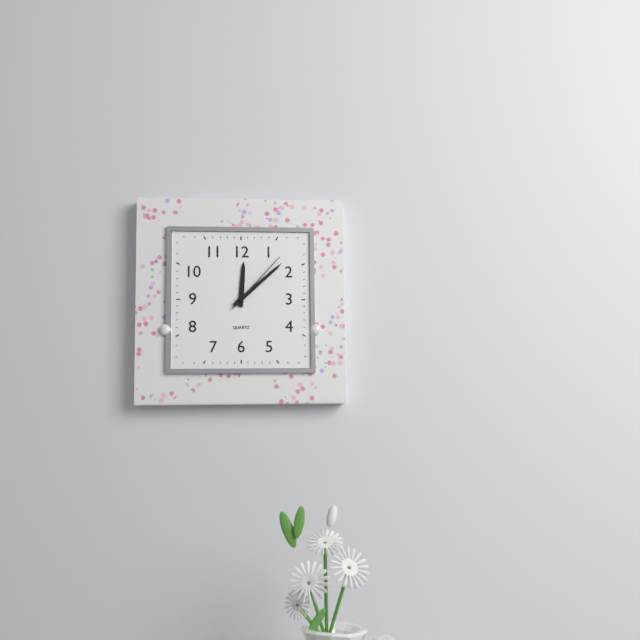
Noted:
12,08,07
